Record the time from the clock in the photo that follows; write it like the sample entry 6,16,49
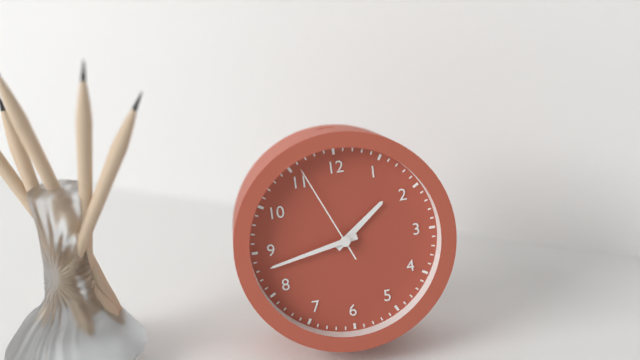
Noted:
1,43,56
